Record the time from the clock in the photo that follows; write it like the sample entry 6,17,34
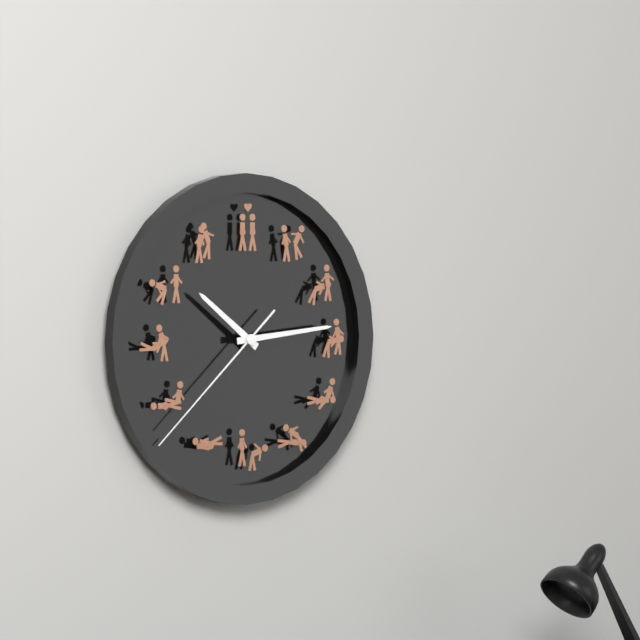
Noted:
10,14,38
